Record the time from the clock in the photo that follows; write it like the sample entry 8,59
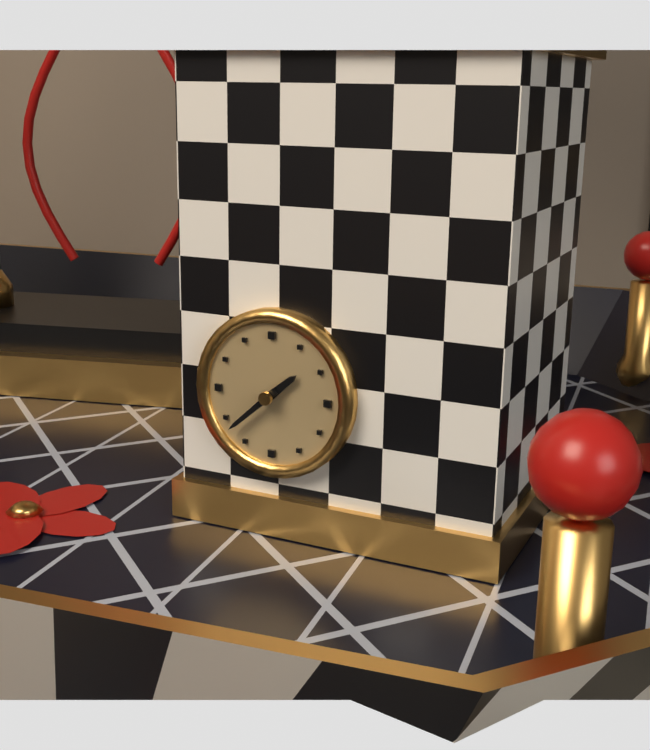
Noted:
1,38
